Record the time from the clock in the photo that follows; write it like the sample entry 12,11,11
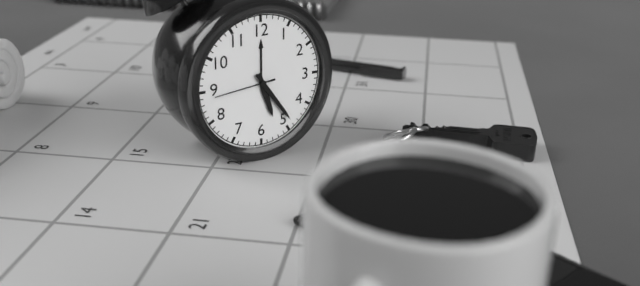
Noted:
5,24,44
